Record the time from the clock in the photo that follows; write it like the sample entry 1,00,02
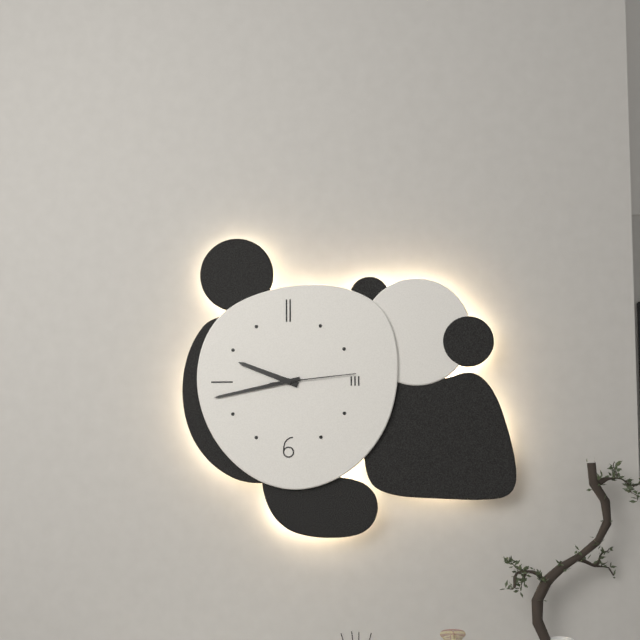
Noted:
9,43,14
